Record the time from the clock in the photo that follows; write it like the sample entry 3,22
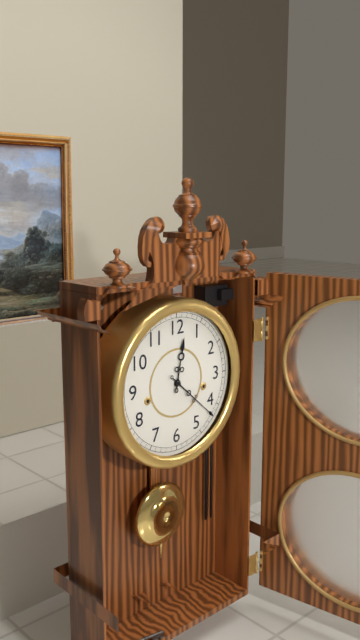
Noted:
12,22
